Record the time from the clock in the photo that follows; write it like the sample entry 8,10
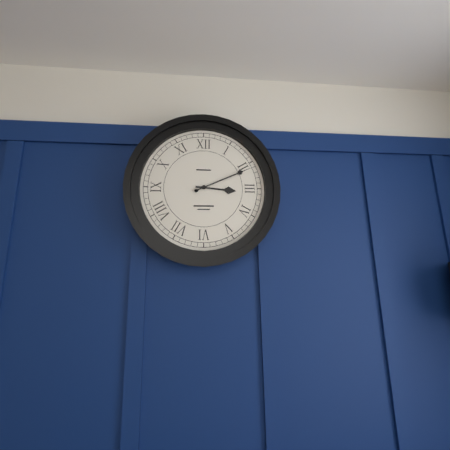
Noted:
3,11
